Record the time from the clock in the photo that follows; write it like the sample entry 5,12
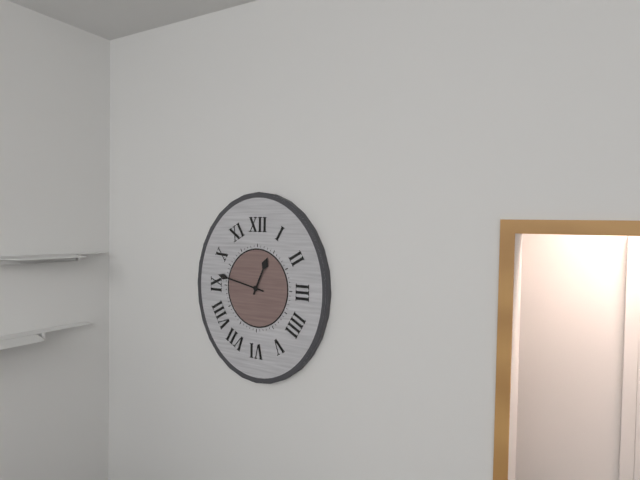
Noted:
12,47
